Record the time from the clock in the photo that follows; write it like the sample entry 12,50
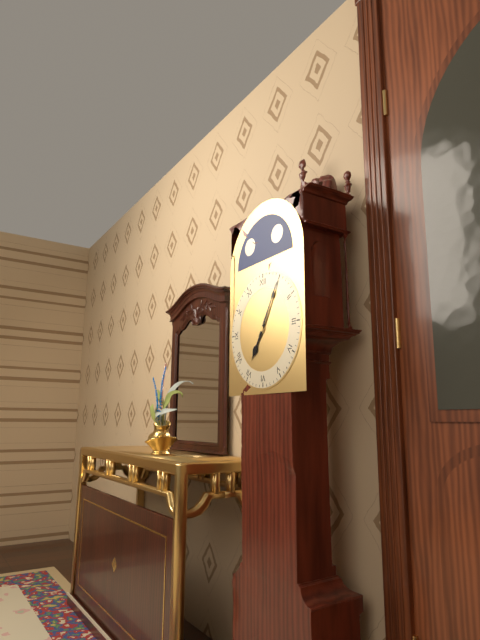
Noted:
7,05
